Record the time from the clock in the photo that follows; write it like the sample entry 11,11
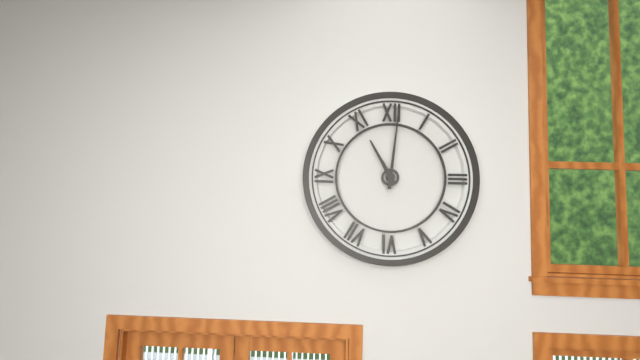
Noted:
11,01
